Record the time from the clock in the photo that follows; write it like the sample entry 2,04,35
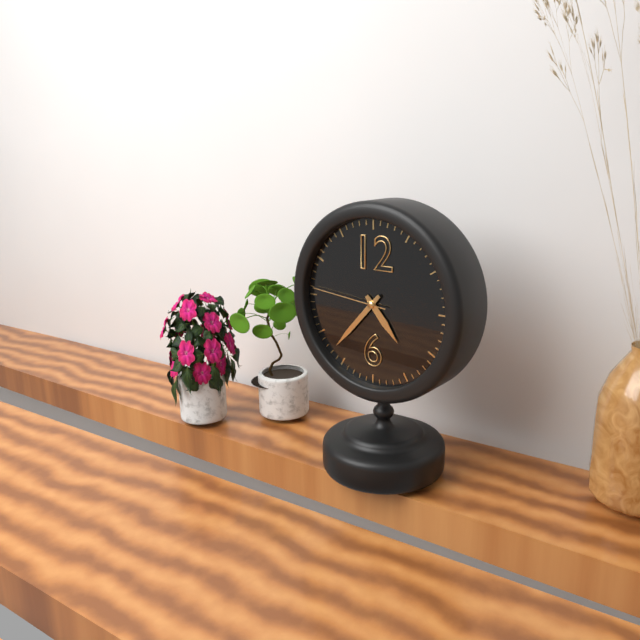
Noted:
4,37,46
